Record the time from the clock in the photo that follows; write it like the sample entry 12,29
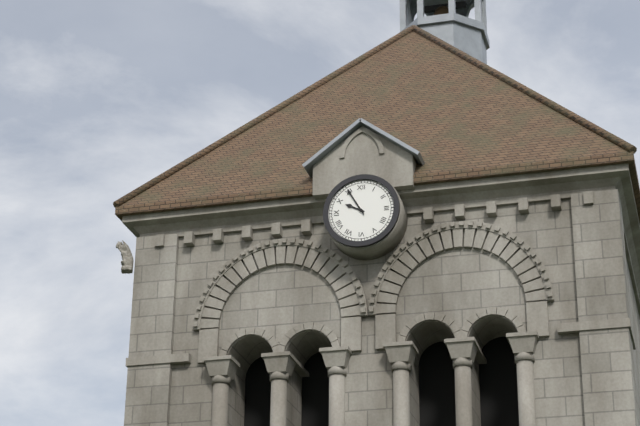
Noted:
9,55
